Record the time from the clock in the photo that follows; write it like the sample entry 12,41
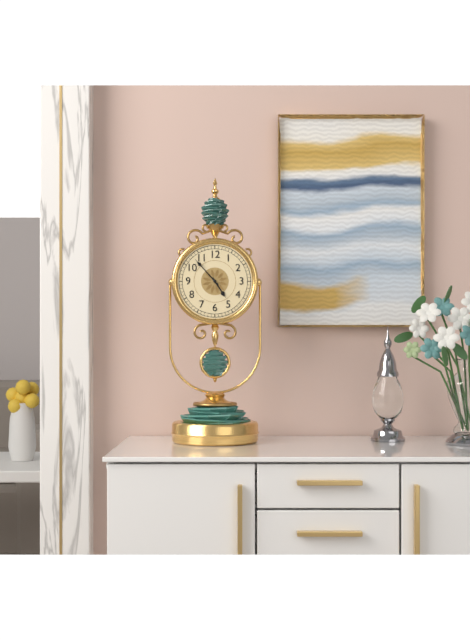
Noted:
4,53
